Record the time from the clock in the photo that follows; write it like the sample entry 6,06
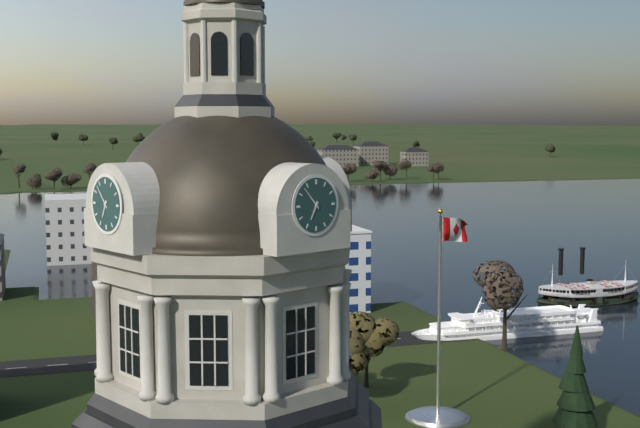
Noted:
6,53
